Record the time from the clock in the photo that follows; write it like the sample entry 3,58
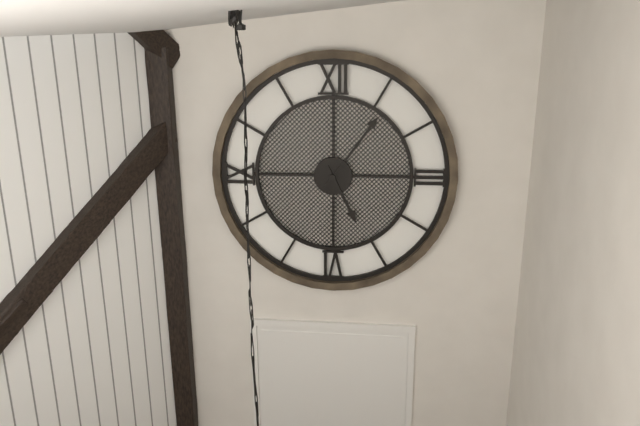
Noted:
5,06
